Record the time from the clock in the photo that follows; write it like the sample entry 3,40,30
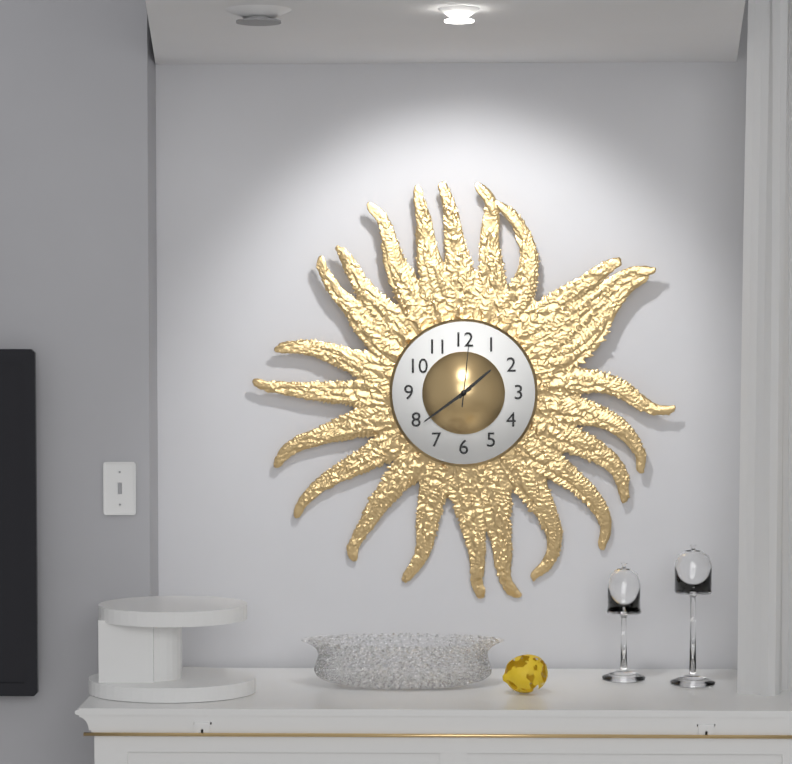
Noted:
1,39,01
